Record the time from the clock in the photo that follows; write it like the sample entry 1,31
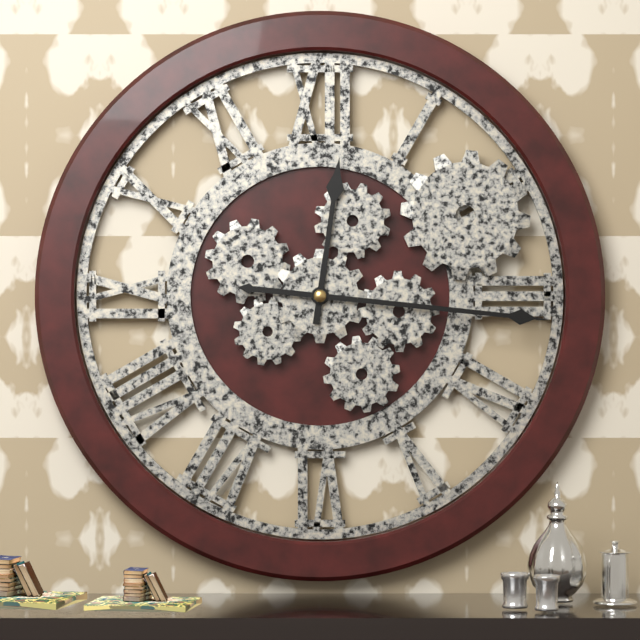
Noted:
12,16
